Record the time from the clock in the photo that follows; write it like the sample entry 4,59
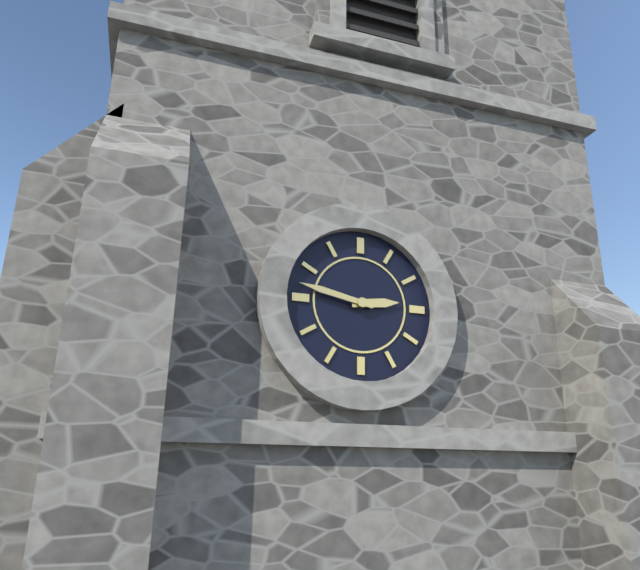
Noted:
2,47
